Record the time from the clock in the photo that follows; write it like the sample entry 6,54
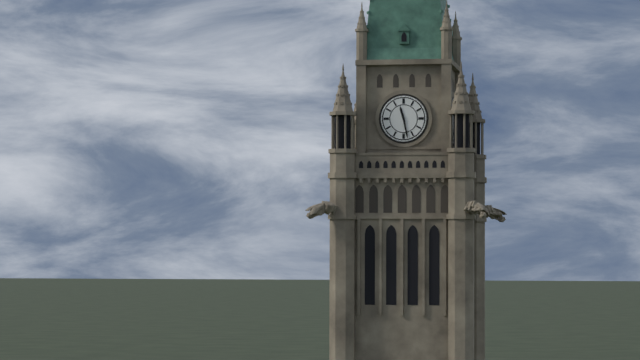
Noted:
11,28
